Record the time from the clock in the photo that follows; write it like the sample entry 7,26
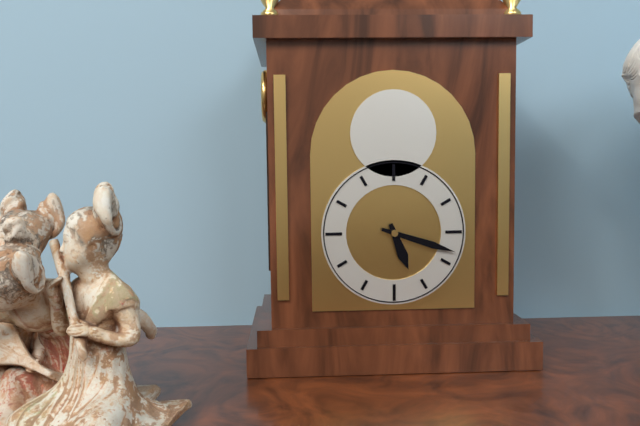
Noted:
5,18
